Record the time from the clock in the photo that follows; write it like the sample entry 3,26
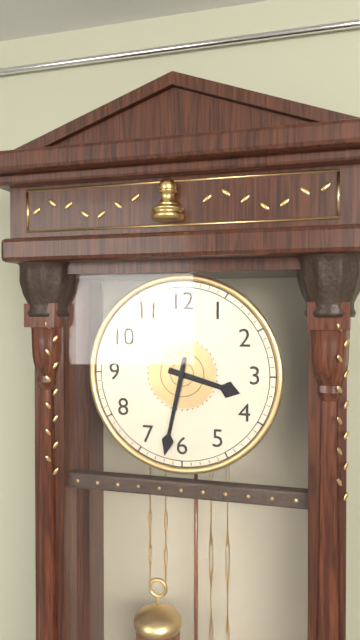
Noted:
3,32
